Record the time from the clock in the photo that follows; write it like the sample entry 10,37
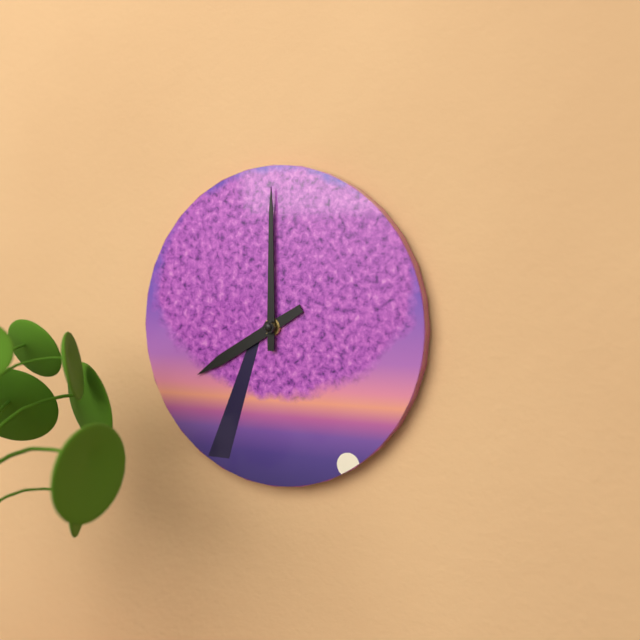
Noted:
8,00
